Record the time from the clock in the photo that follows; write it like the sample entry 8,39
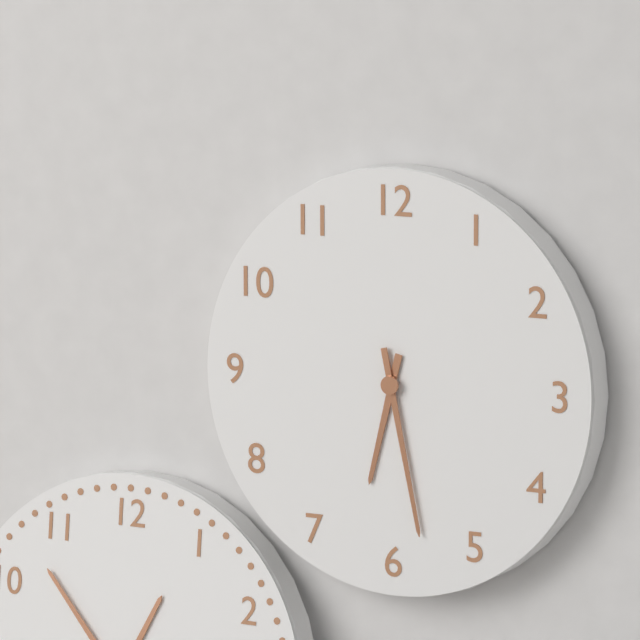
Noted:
6,28
